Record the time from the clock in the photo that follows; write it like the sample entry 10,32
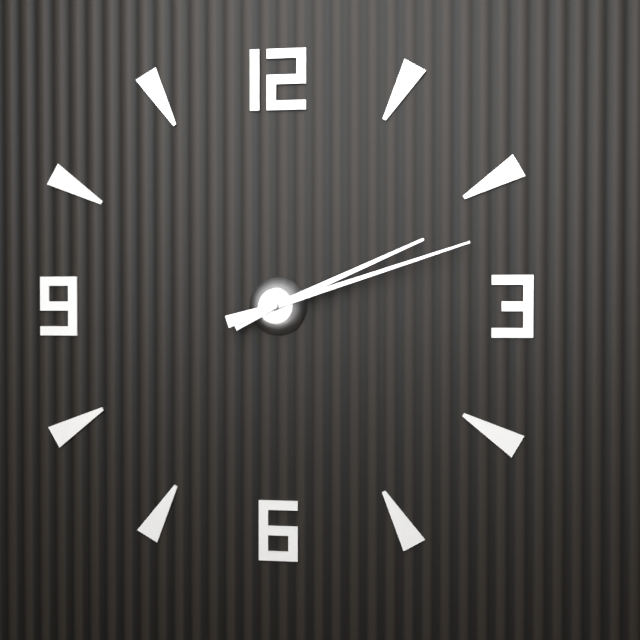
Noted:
2,12
